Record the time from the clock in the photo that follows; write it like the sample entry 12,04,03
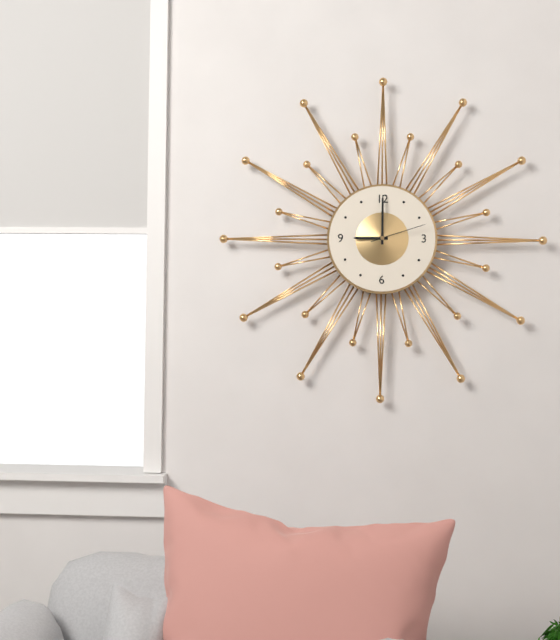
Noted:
9,00,12
